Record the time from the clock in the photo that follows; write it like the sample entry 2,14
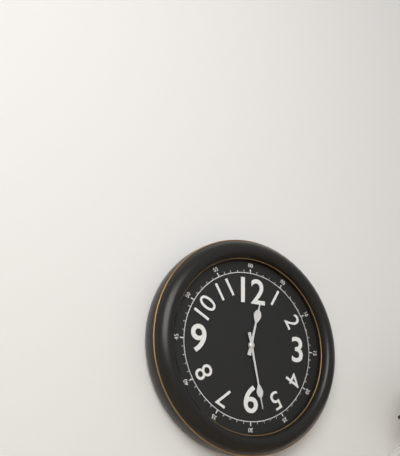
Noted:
12,28
